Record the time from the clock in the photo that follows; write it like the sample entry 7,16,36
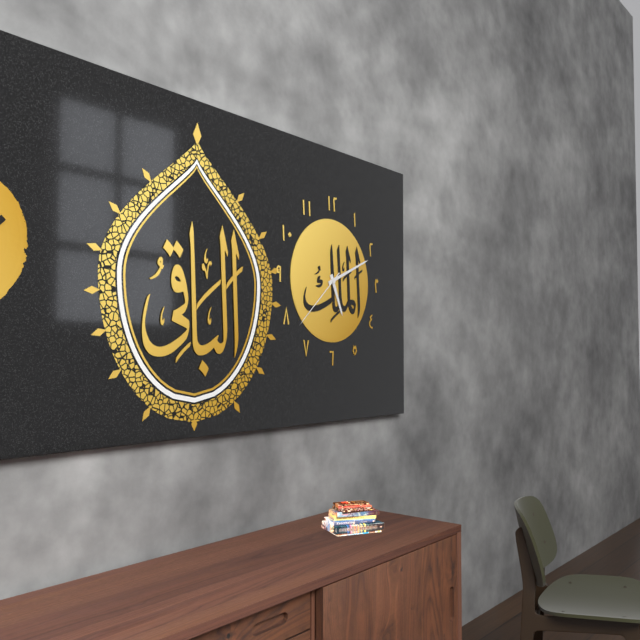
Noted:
5,11,38
